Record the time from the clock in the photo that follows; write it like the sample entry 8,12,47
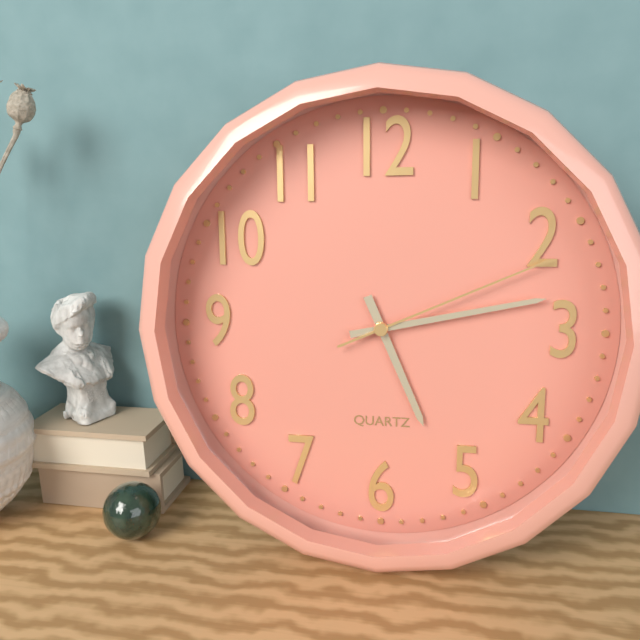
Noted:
5,13,11
